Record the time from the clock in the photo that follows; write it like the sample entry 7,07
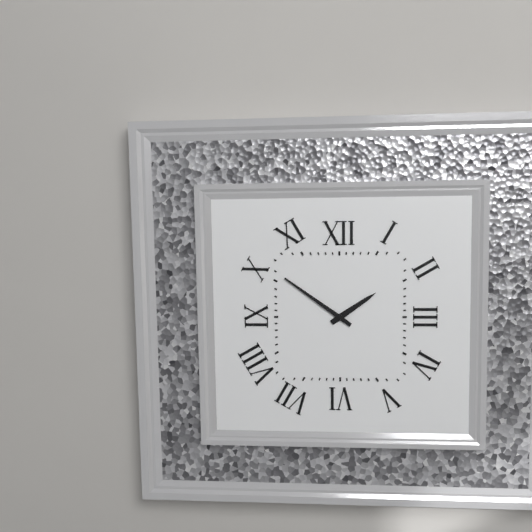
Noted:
1,51
